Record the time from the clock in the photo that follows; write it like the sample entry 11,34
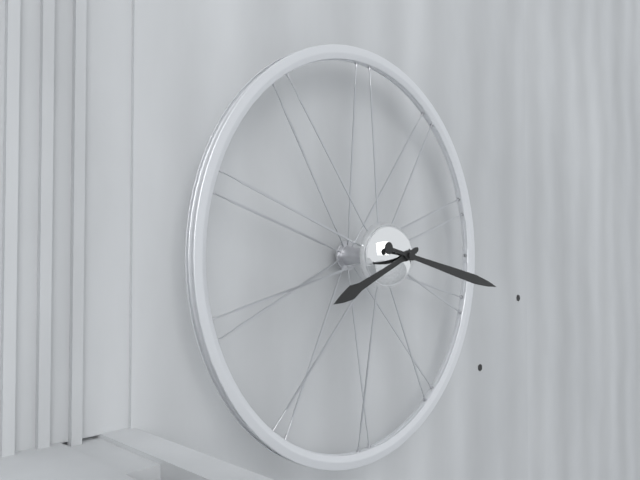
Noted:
8,17
